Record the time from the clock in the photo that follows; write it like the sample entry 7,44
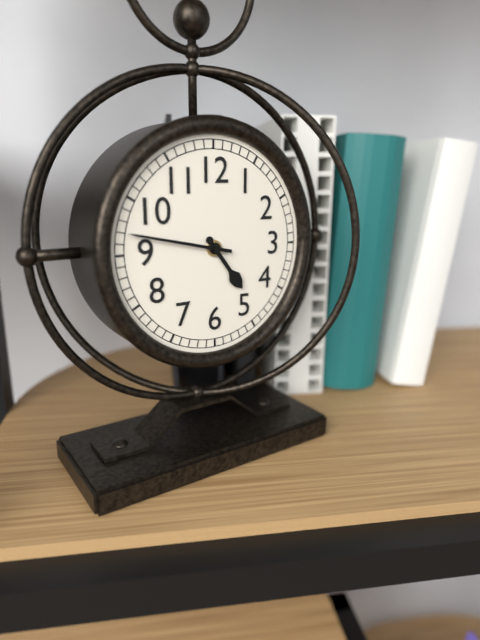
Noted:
4,47
